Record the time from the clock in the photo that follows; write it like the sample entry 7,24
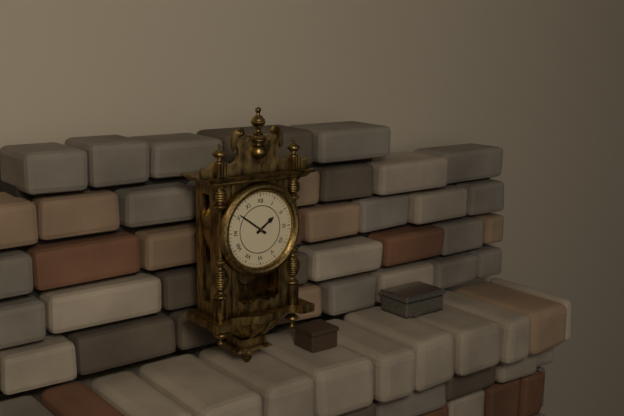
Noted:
1,51
